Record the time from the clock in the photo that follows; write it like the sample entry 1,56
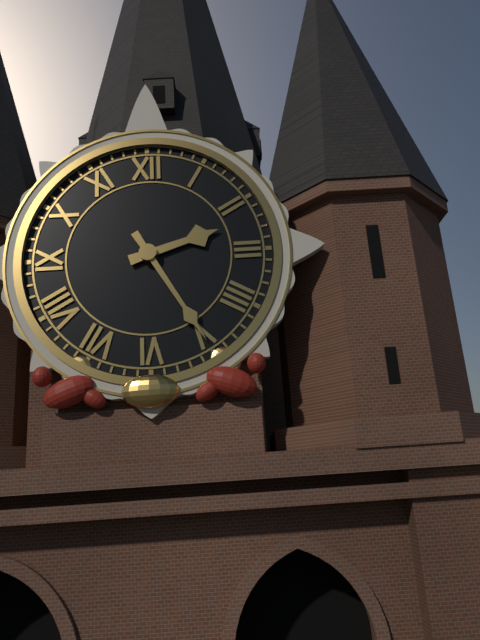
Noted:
2,25
